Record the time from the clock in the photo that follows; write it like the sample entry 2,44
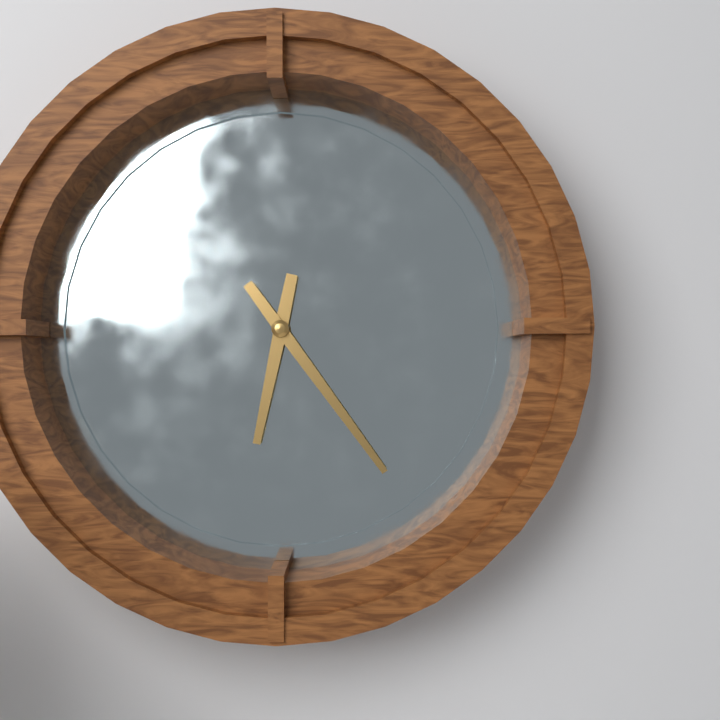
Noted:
6,24
